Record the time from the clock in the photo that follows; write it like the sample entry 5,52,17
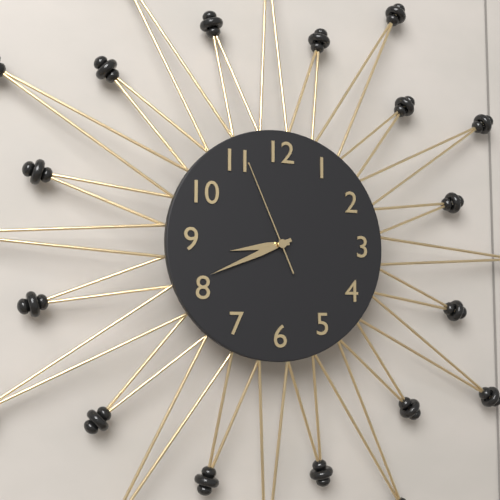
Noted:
8,41,56
